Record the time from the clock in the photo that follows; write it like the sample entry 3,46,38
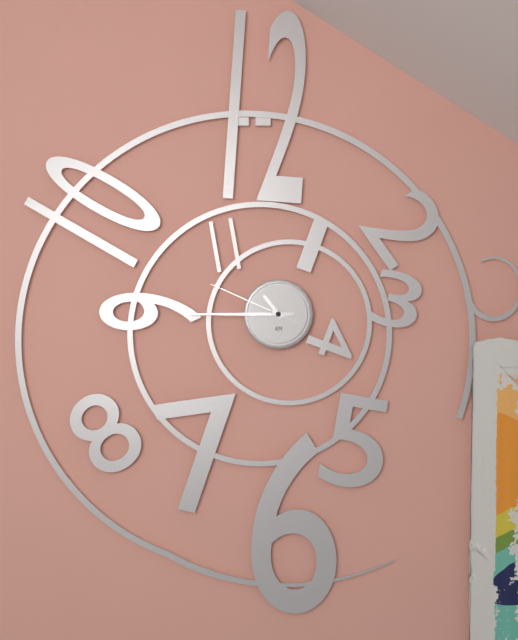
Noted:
10,45,49
